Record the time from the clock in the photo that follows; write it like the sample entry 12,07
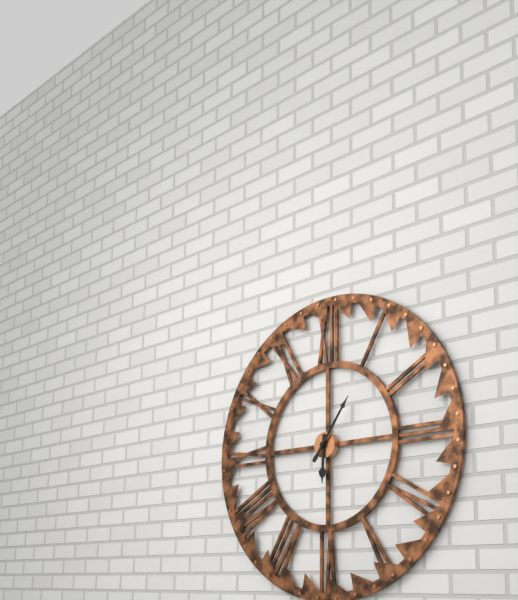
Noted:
6,06
